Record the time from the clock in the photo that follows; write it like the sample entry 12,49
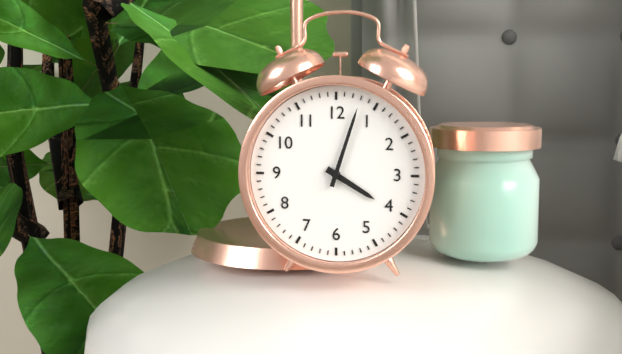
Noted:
4,03
